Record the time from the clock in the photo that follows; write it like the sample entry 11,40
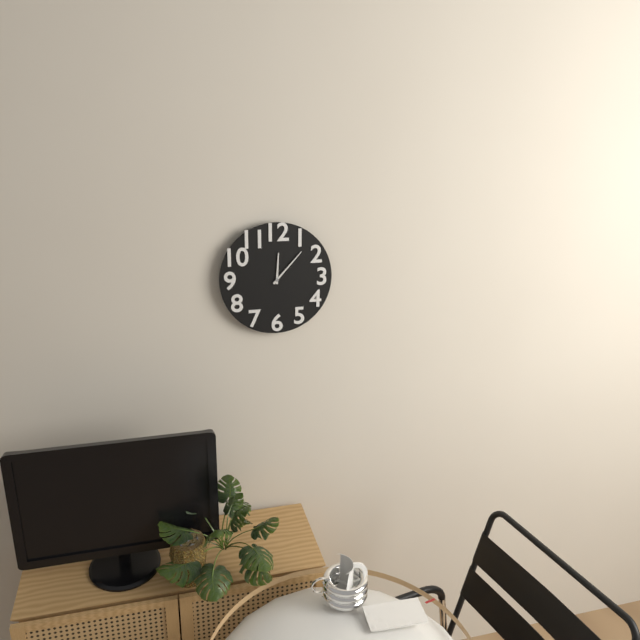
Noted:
12,07
